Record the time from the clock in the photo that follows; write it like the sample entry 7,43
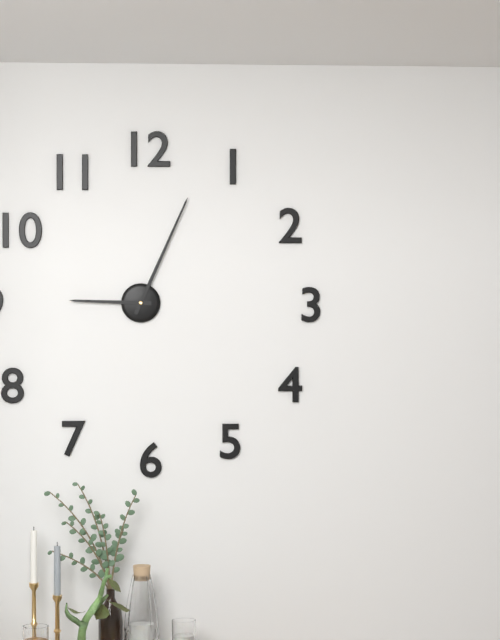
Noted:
9,04
